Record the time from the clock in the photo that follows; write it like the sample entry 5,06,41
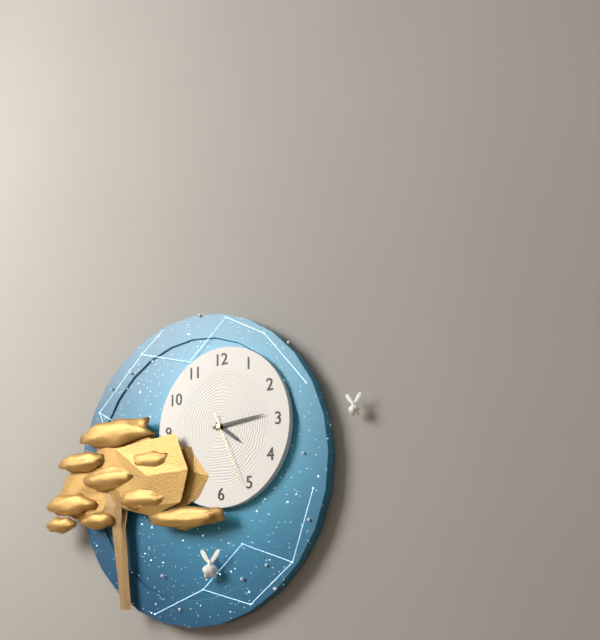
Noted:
4,14,26
